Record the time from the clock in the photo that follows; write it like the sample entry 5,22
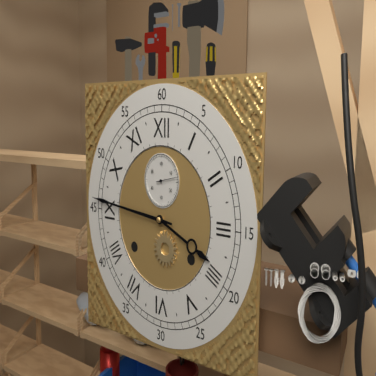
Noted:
3,46
